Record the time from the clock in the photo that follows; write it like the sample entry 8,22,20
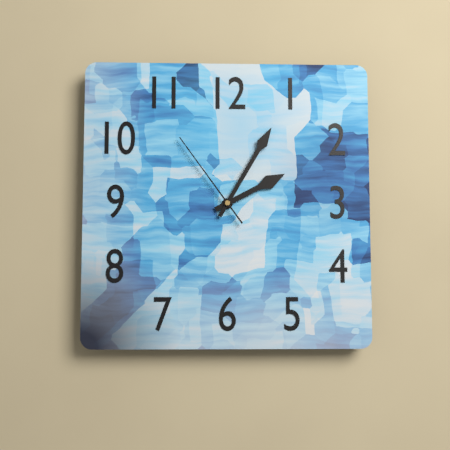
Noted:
2,05,54
